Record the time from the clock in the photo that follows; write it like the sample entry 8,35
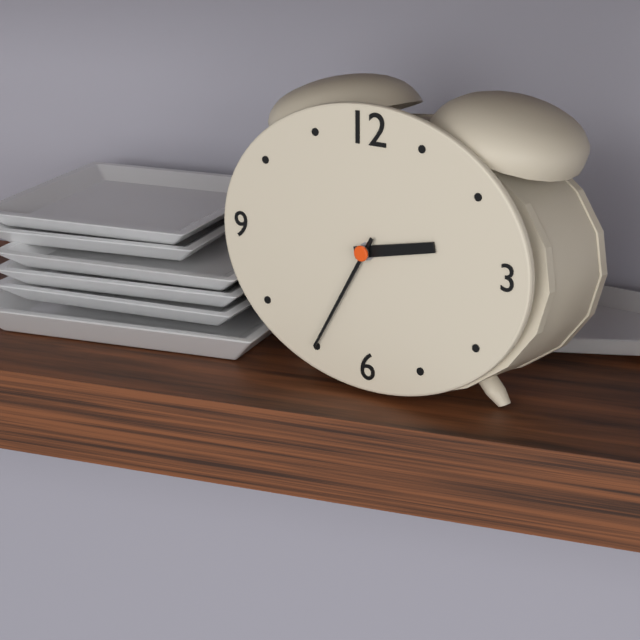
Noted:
2,35
